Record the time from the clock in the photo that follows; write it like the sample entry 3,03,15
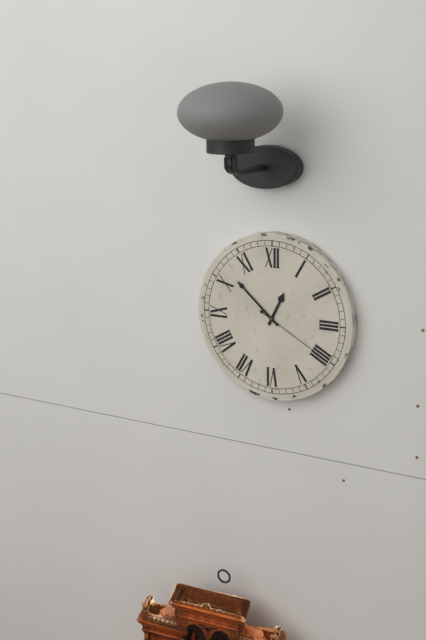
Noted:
12,52,20
